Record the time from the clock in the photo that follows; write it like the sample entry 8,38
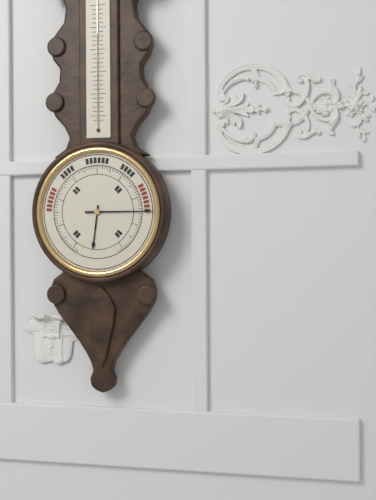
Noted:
6,15
